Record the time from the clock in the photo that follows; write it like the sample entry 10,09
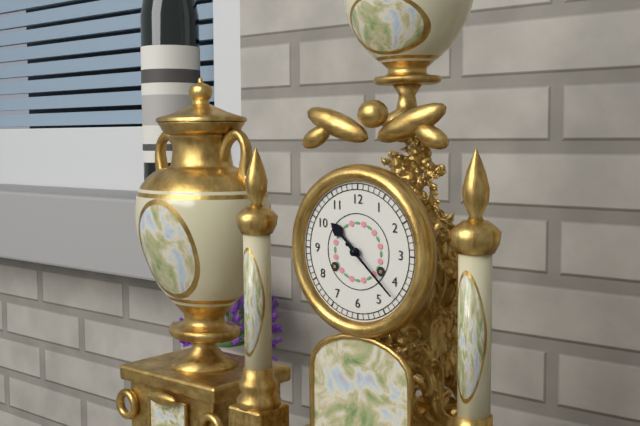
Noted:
10,22
